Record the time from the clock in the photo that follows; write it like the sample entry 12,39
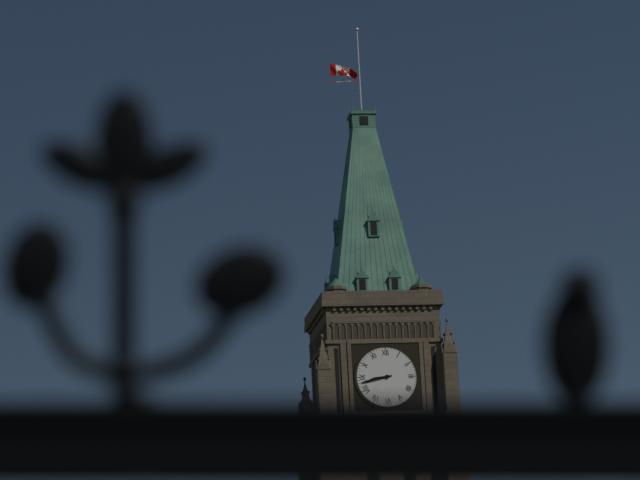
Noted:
8,43
